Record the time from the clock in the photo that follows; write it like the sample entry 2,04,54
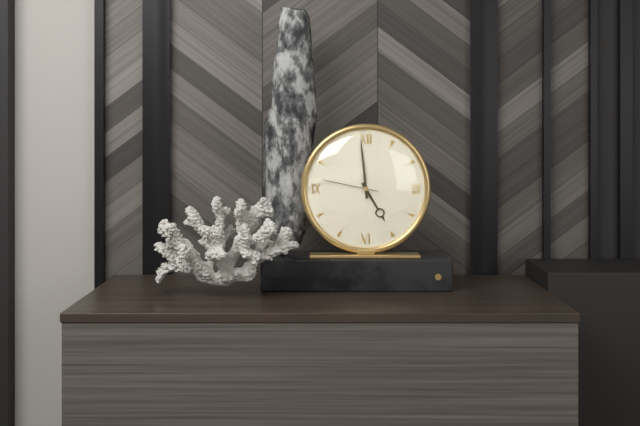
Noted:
4,59,47
